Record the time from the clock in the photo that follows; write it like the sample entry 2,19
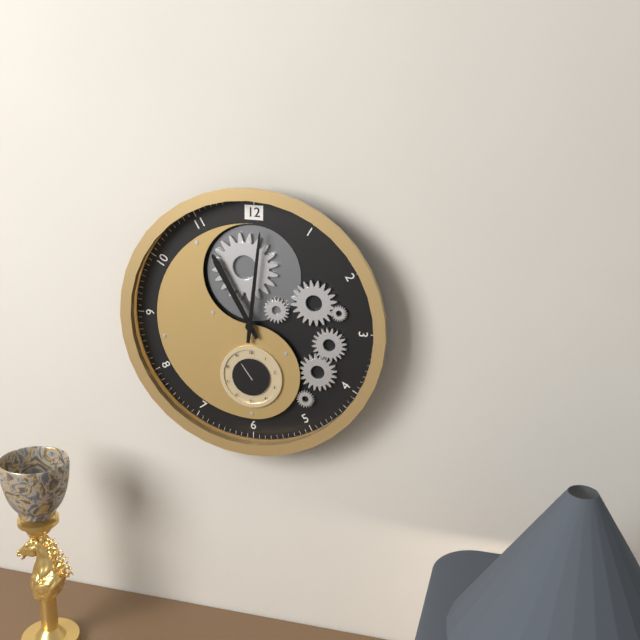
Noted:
11,01
